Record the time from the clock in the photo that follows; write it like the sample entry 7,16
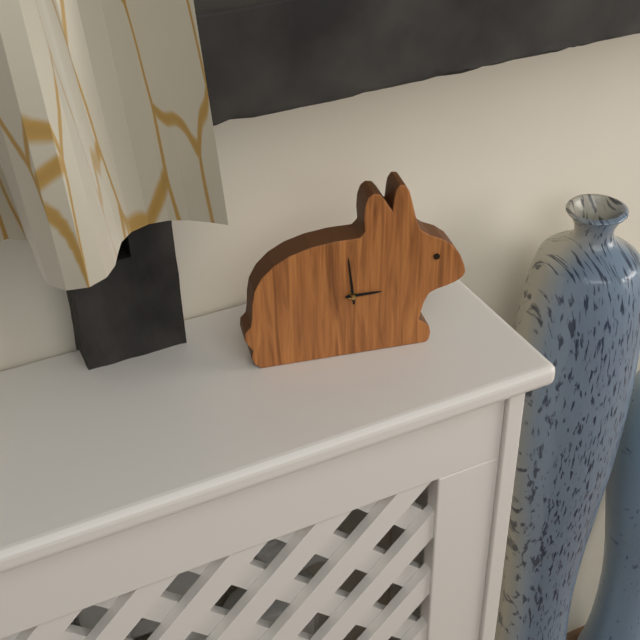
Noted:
2,59
